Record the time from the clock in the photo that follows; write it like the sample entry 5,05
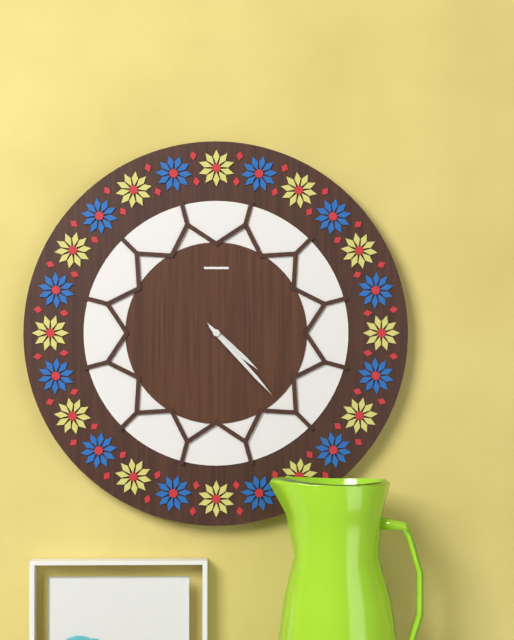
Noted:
4,23
